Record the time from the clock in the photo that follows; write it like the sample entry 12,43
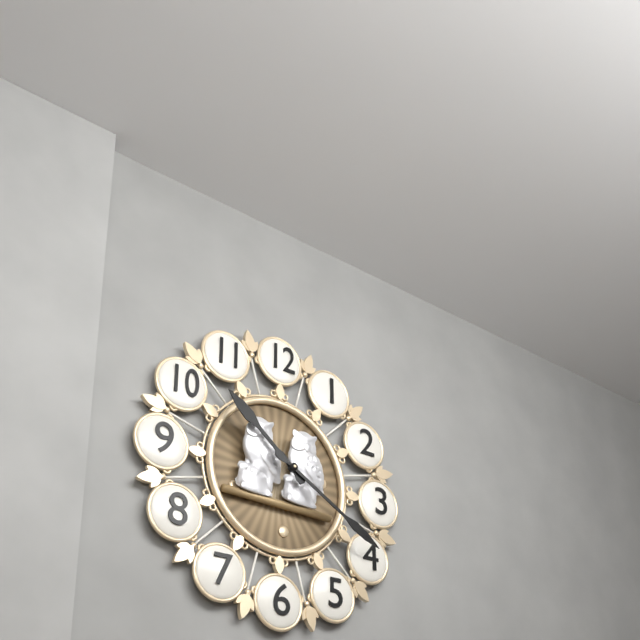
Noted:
10,20
